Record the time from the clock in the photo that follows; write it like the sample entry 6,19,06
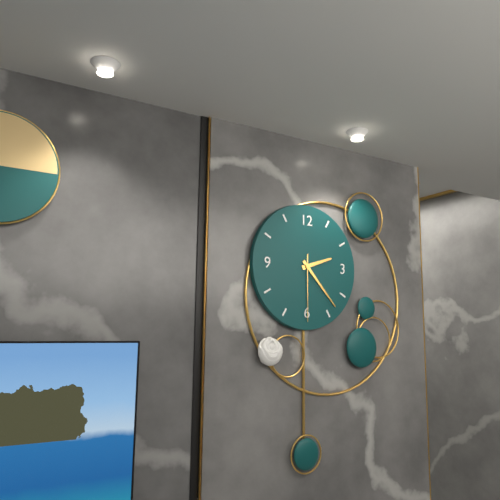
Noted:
2,23,30
